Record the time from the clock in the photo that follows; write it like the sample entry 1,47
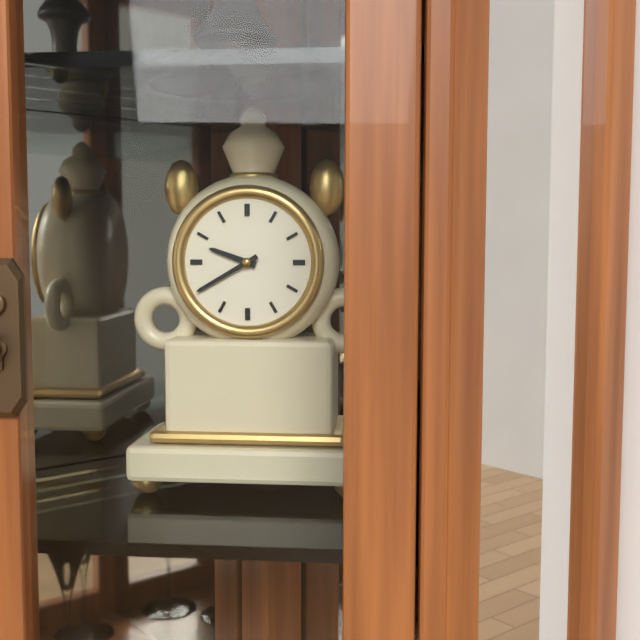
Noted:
9,40
